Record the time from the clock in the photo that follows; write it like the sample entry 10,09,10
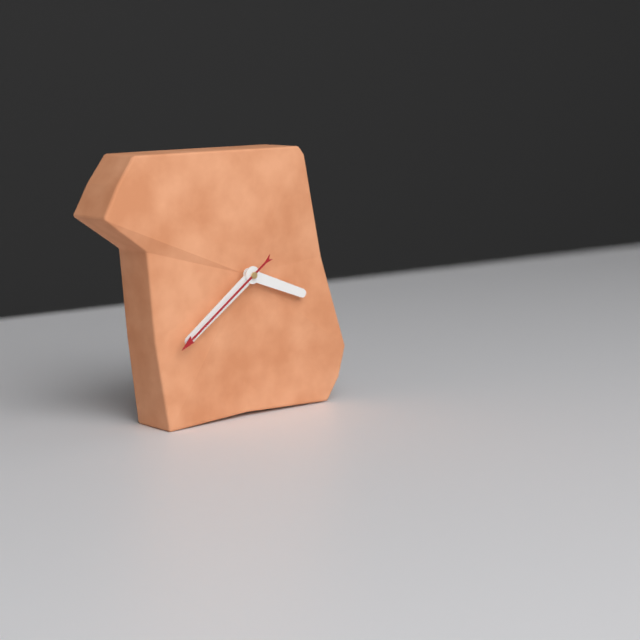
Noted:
3,39,39
